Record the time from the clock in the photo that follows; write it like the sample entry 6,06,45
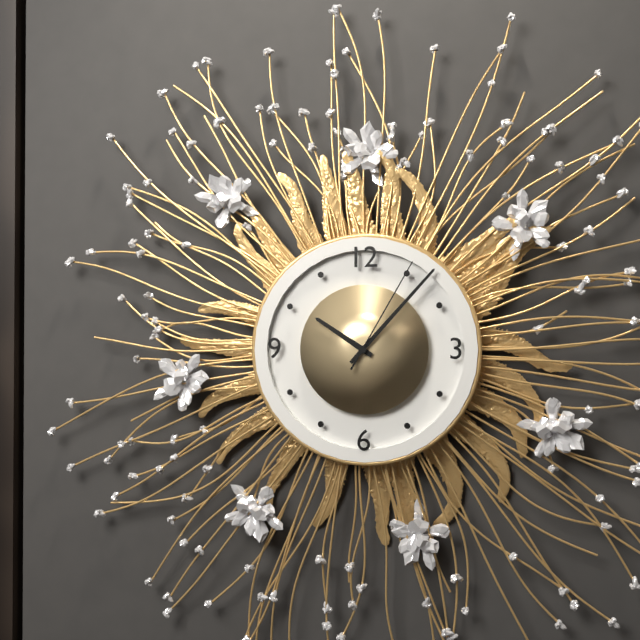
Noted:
10,07,05
